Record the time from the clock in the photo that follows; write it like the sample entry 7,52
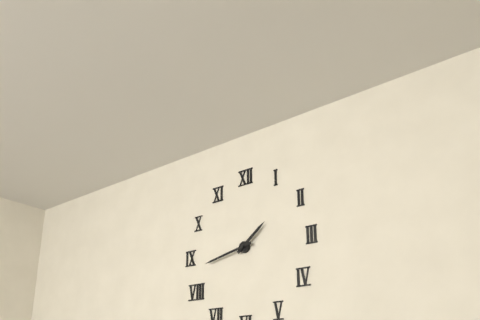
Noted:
1,43
